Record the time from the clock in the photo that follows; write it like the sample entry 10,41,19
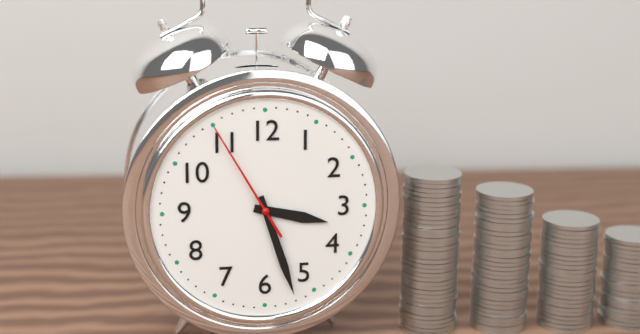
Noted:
3,27,55
